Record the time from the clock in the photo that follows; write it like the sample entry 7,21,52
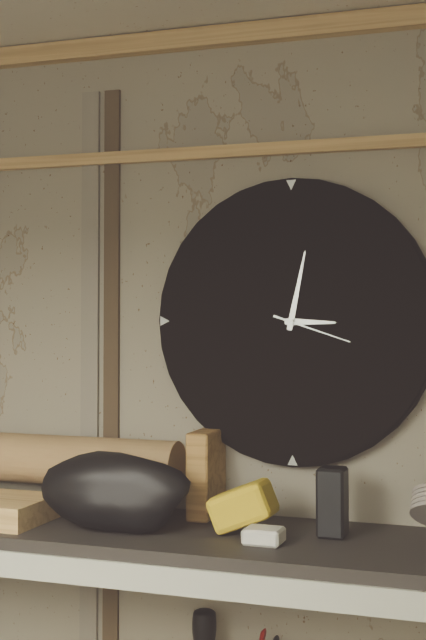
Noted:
3,02,18
